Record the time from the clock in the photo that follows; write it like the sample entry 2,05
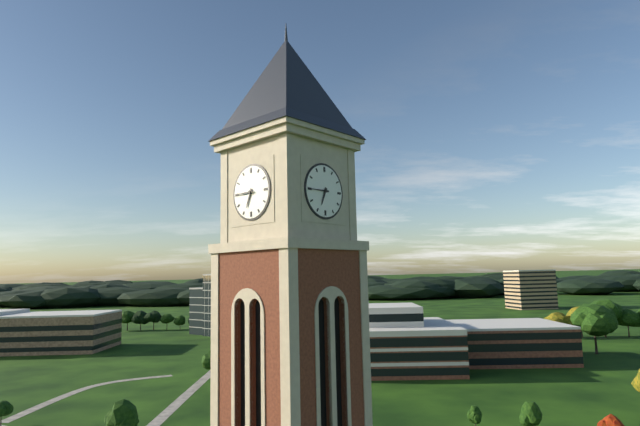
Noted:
6,45
